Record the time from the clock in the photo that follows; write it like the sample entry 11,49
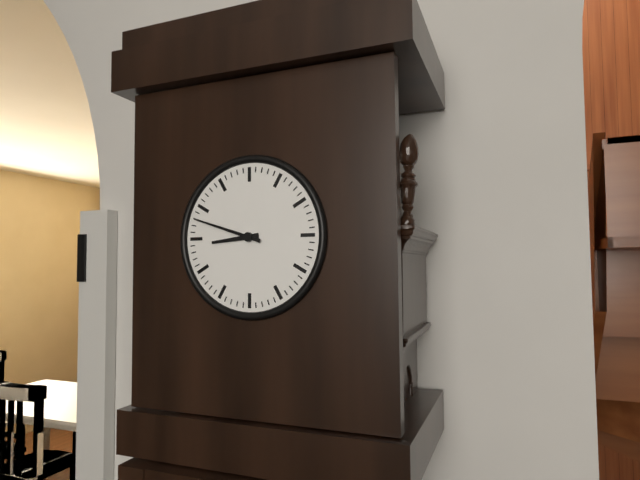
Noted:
8,48
